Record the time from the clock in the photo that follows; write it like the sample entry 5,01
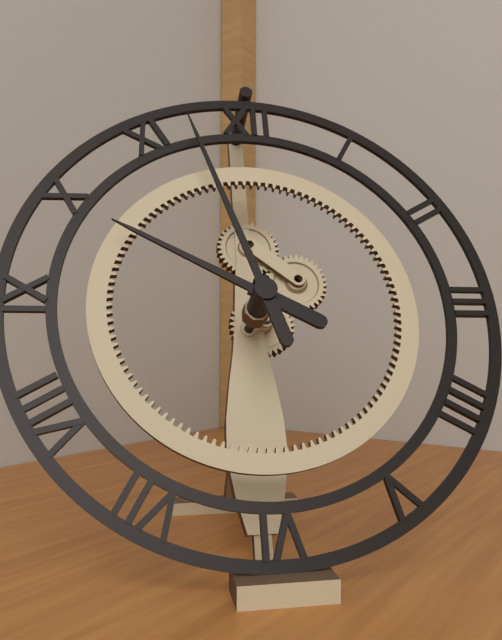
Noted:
9,57
